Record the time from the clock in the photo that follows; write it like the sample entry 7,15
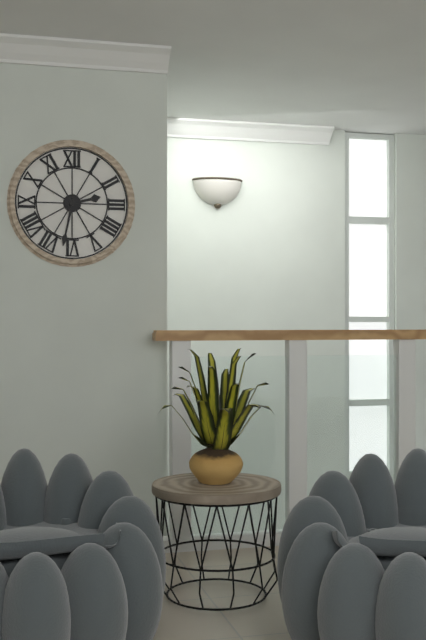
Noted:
2,32
